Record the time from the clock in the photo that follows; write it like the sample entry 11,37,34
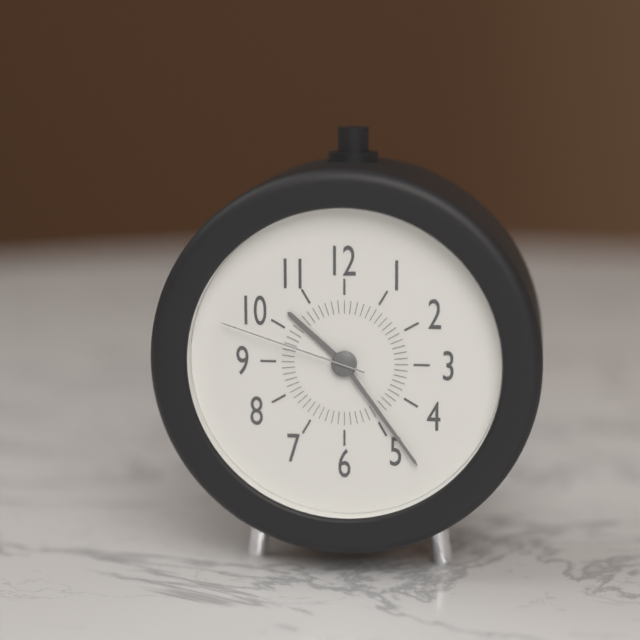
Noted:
10,24,48
